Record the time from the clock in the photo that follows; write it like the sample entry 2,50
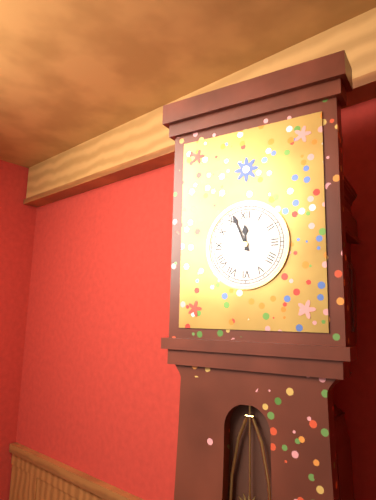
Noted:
11,56
